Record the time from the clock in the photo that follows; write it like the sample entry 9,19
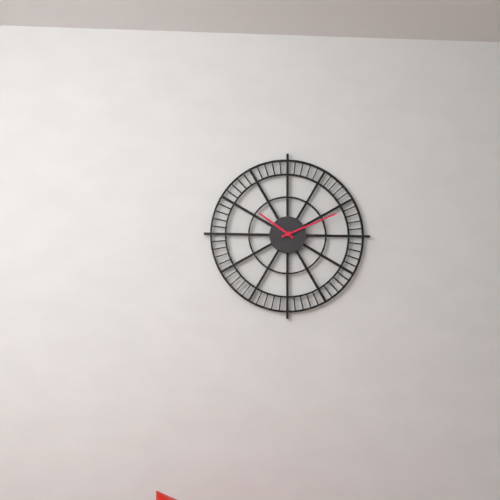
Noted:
10,11
